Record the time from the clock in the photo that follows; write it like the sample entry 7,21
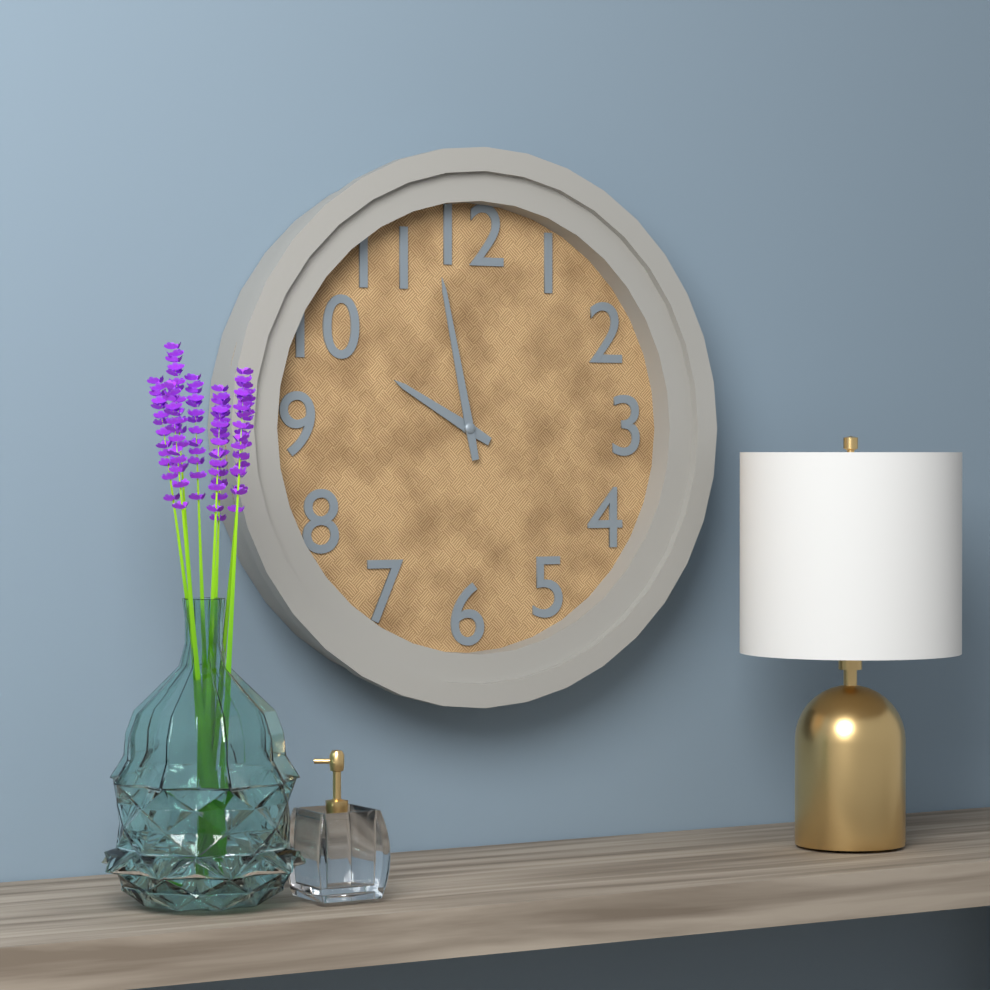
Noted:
9,58
